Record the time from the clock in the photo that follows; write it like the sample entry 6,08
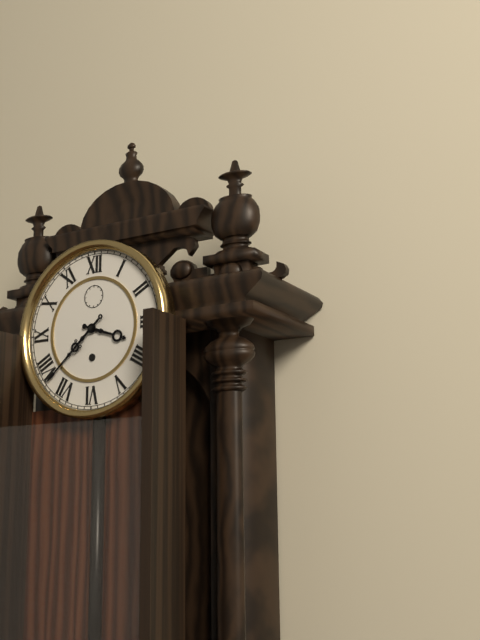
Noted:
3,38
